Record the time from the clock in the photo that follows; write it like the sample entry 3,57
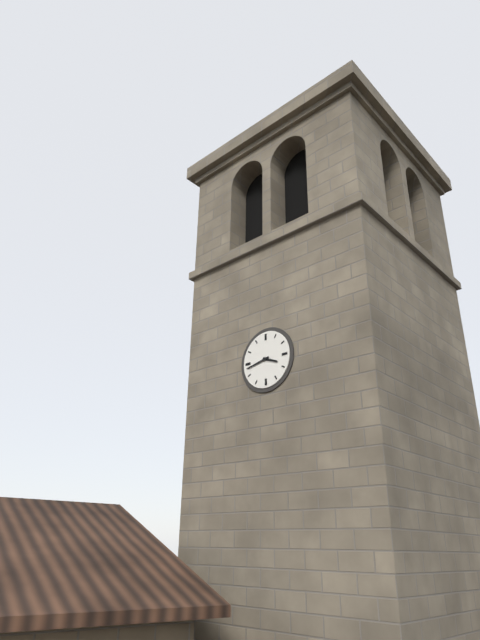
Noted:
3,43
